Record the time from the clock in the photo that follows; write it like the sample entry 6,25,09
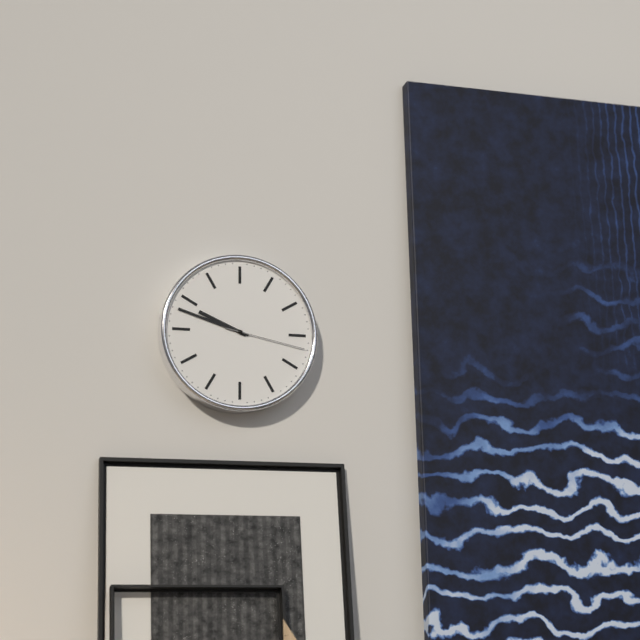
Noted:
9,48,17
